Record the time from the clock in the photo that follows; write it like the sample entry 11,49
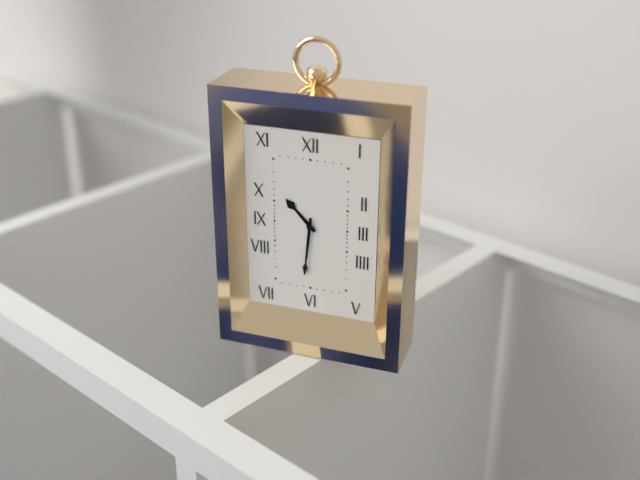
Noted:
10,31
